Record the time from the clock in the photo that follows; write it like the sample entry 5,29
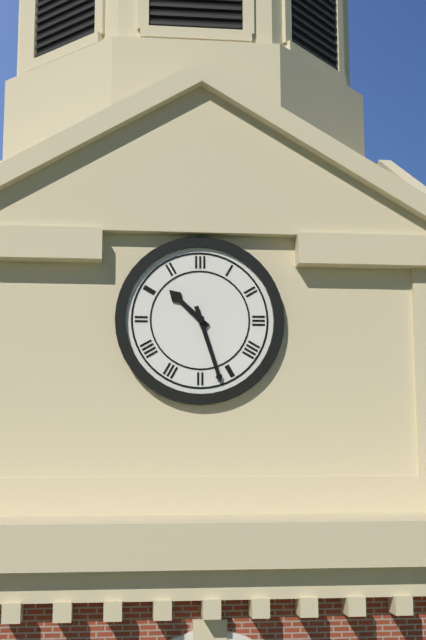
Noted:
10,27
